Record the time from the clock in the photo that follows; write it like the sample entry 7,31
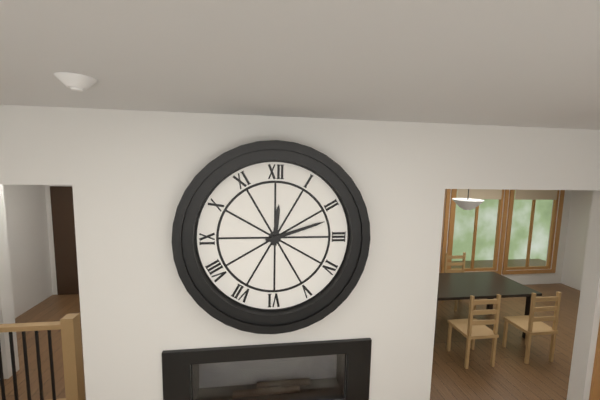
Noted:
12,12
